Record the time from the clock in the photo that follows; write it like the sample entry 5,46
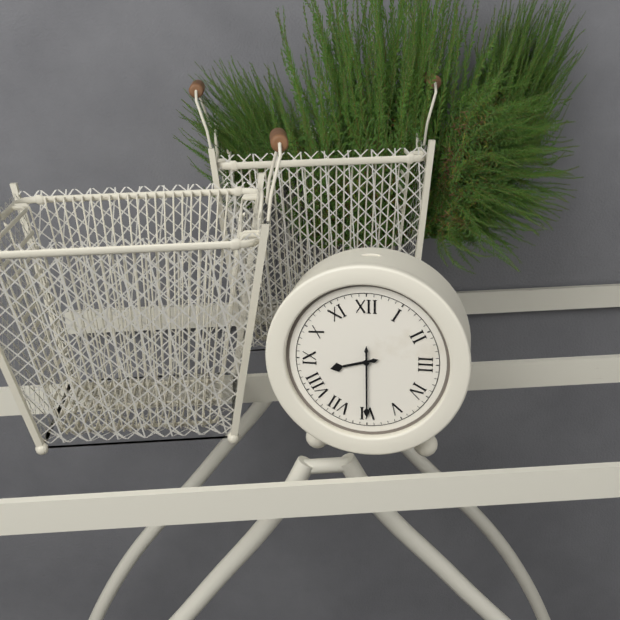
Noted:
8,30
